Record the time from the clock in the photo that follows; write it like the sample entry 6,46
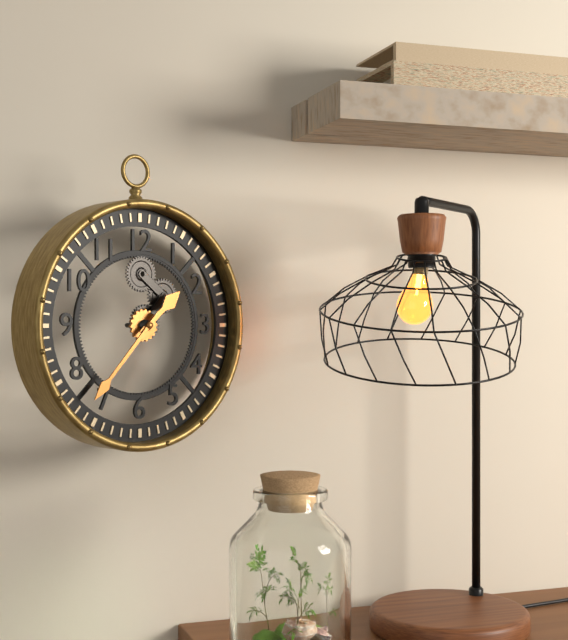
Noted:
1,37
